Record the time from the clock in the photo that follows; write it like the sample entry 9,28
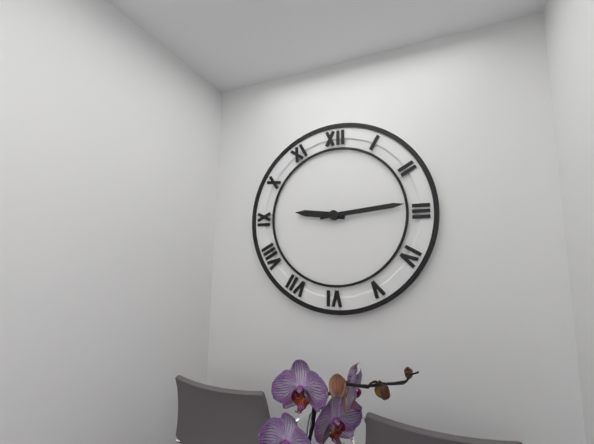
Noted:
9,14
